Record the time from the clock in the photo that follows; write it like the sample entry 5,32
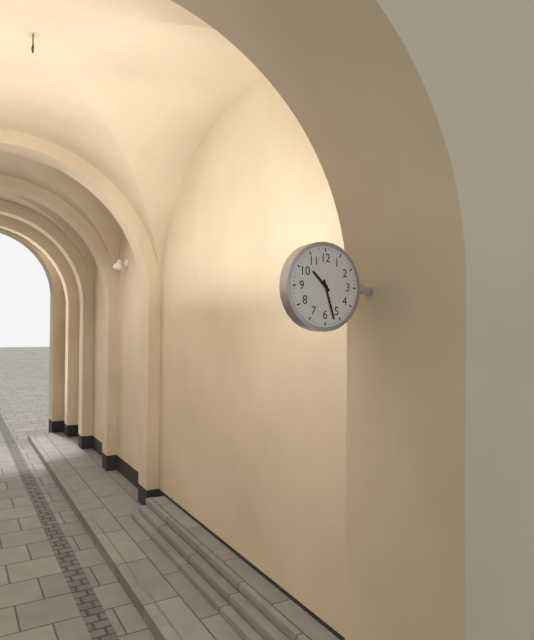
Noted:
10,27
